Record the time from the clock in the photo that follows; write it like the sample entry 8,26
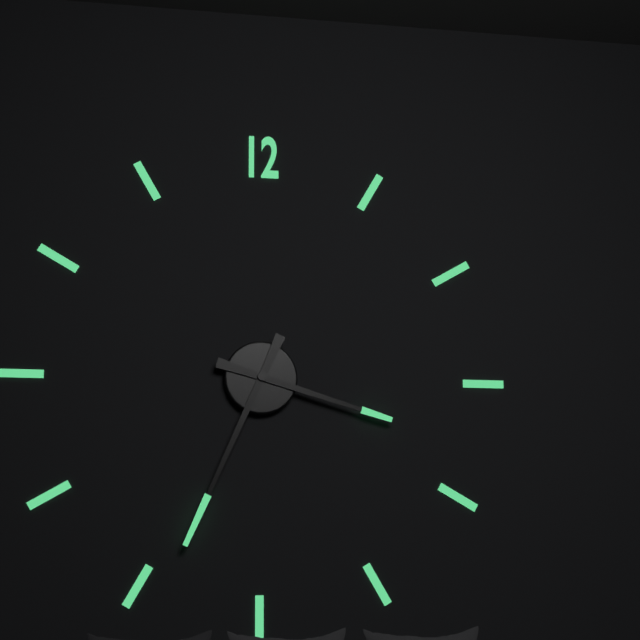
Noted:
3,34
